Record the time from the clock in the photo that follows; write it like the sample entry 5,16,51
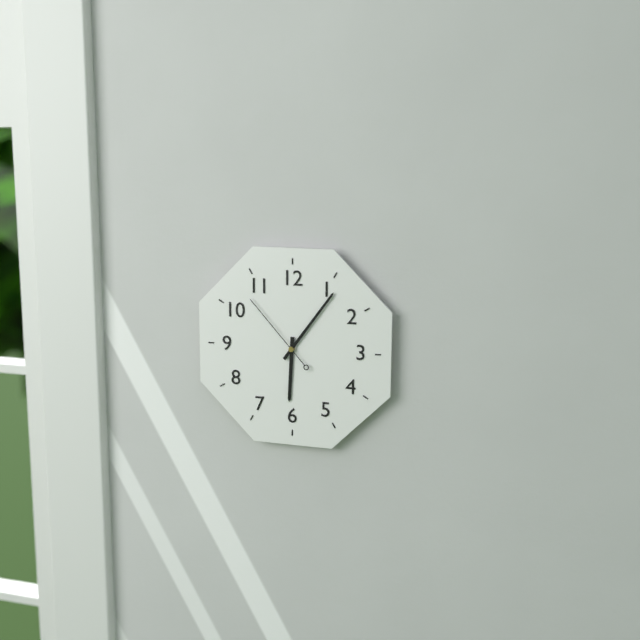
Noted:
6,06,53
